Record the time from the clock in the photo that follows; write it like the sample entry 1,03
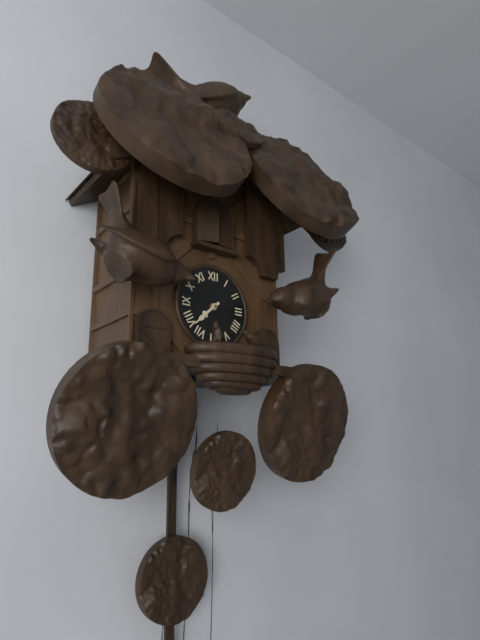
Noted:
7,38
